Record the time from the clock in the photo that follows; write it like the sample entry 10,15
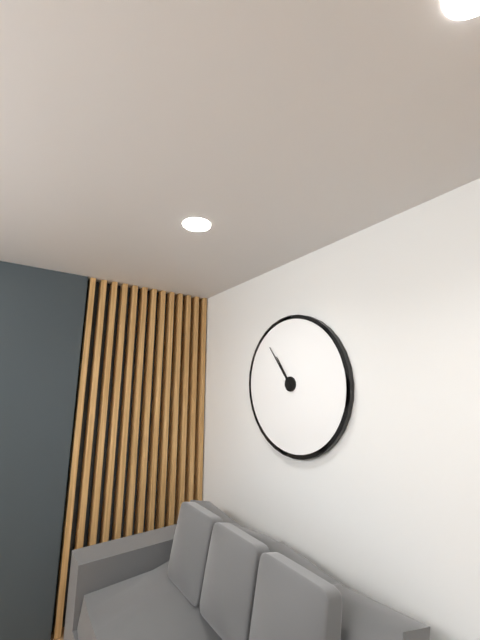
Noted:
10,54
